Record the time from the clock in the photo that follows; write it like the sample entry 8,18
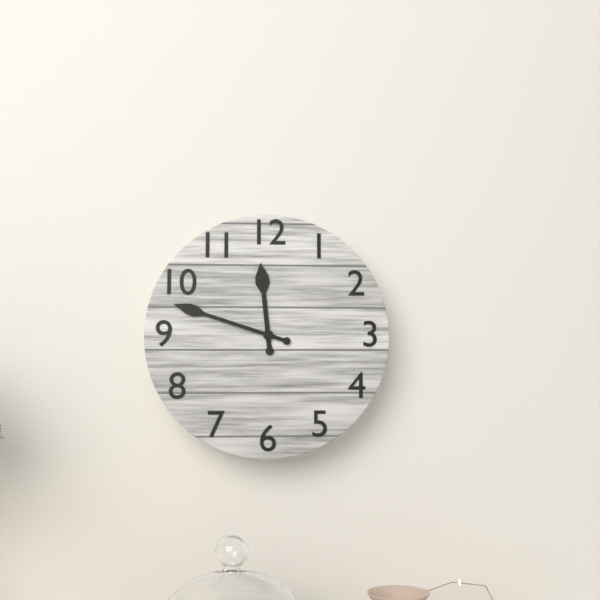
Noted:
11,48
